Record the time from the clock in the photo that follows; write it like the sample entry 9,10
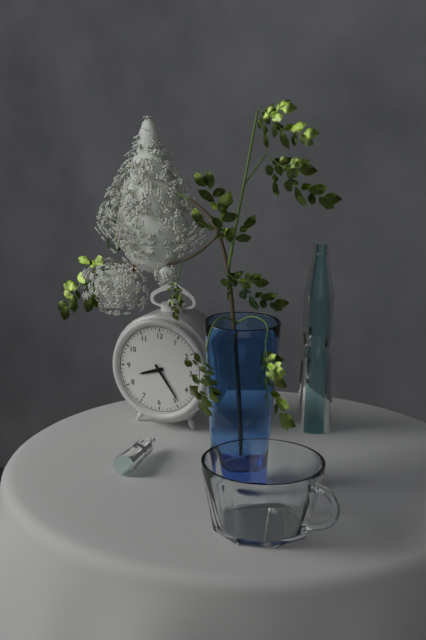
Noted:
8,24
